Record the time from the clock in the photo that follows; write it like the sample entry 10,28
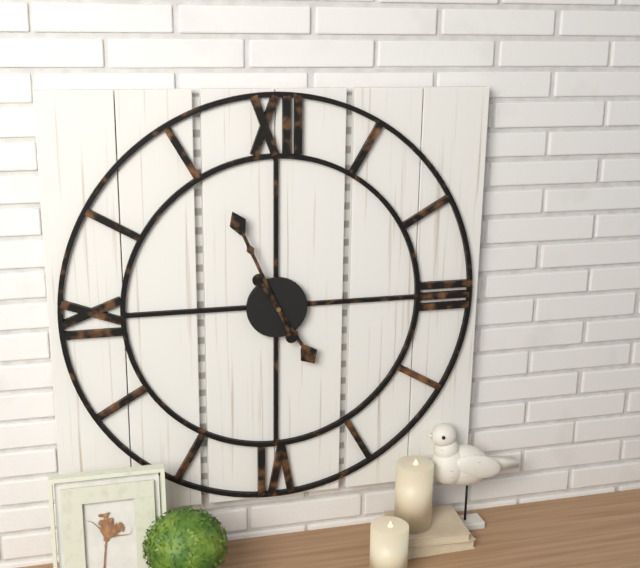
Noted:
4,56
